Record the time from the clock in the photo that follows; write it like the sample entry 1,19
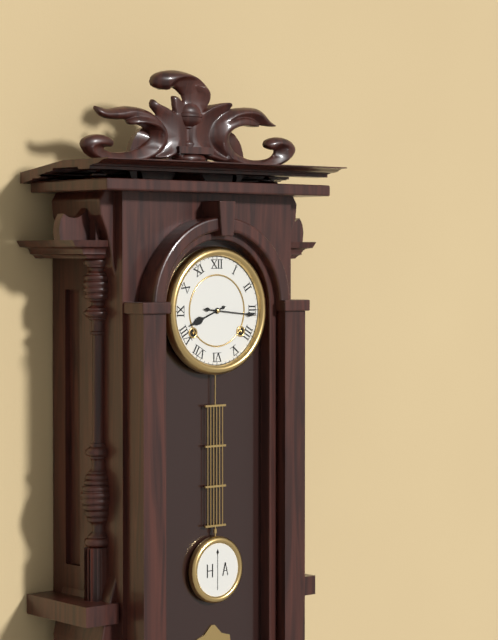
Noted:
8,16
